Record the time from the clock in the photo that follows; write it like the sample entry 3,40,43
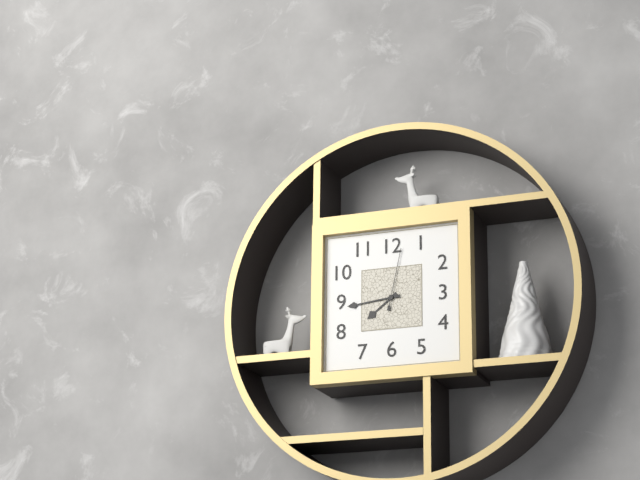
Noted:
7,44,02
